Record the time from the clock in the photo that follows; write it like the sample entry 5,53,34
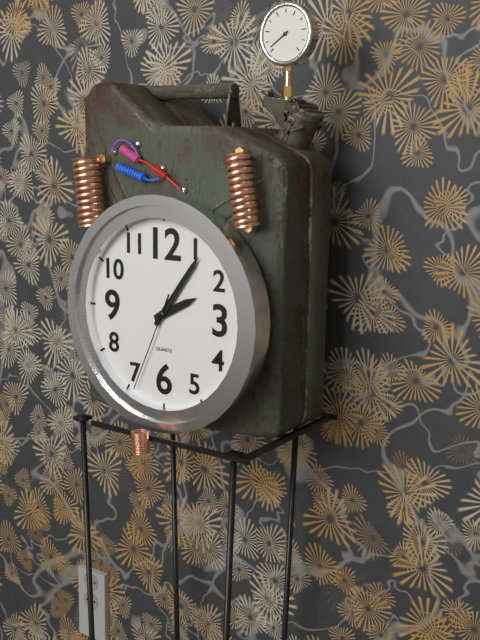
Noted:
2,06,34
